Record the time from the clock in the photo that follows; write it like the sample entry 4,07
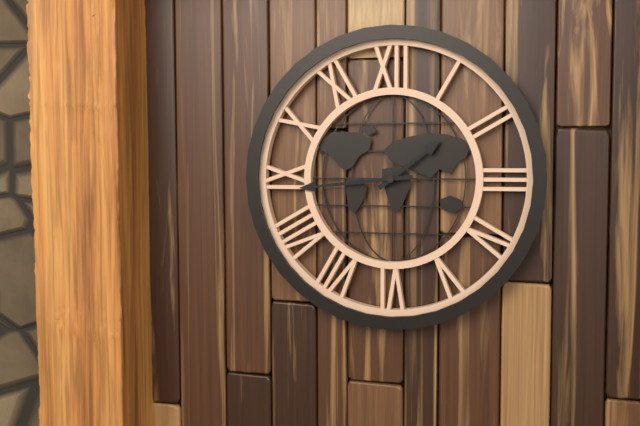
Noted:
1,44
